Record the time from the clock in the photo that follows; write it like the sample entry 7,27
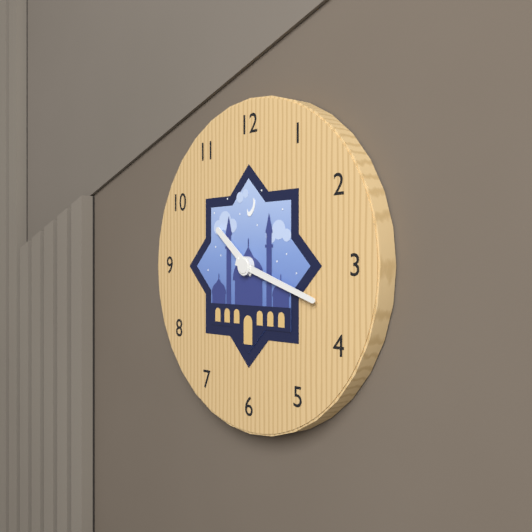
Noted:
10,18
